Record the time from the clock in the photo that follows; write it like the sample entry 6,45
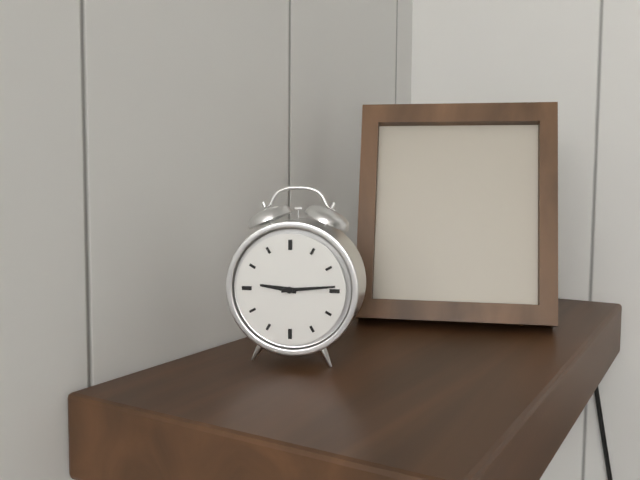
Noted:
9,14
